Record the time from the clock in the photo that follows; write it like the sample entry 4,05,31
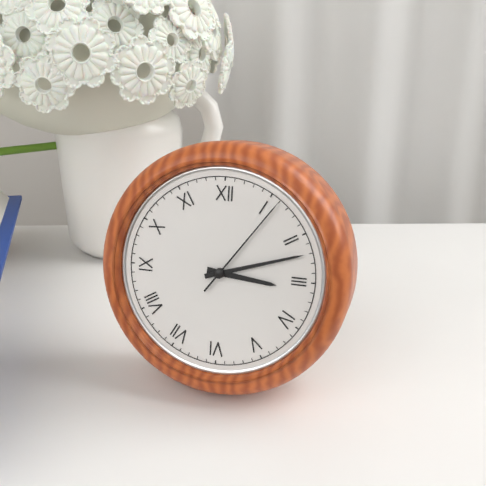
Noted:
3,12,06
